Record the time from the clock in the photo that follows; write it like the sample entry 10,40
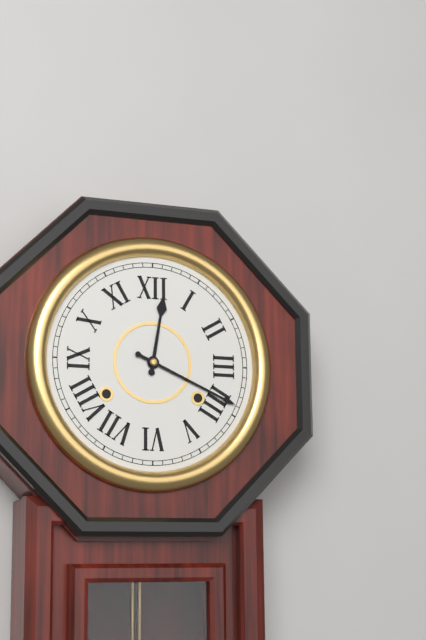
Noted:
12,19
